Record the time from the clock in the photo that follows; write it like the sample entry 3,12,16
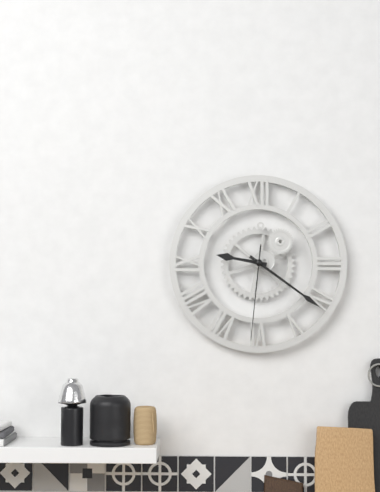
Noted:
9,21,31
